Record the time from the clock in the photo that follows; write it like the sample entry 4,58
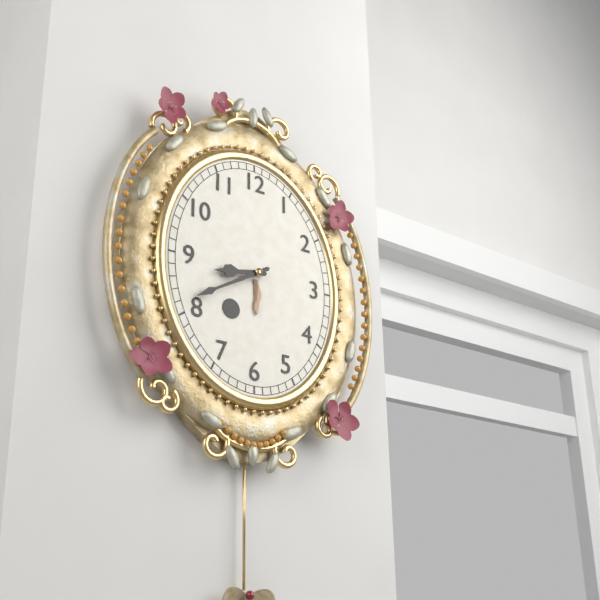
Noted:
8,40
